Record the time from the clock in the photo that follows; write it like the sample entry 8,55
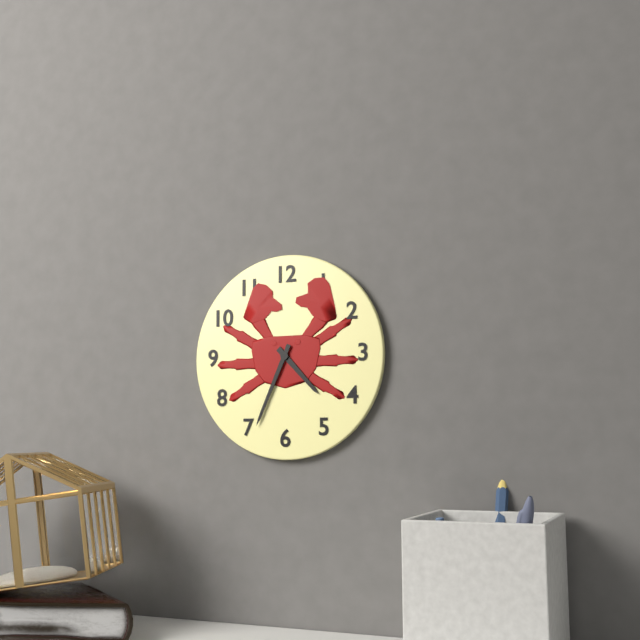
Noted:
4,34
